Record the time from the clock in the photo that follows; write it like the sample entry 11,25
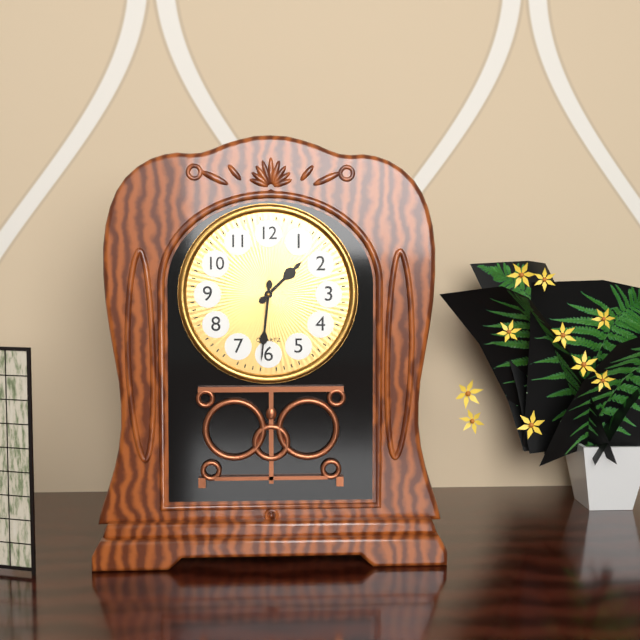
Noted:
1,31
